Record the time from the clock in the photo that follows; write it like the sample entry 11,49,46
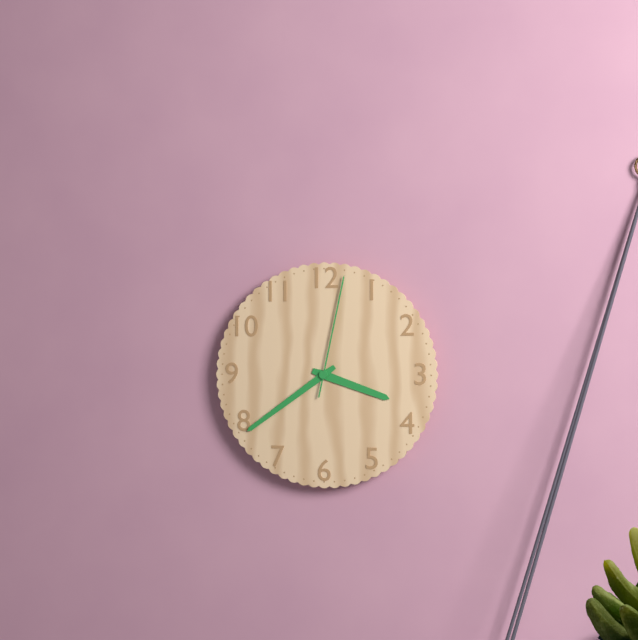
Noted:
3,39,02
